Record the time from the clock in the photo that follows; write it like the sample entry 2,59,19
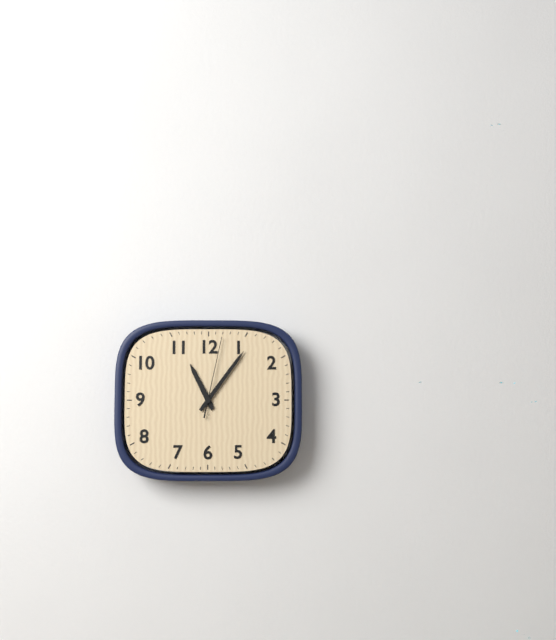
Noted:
11,06,02
